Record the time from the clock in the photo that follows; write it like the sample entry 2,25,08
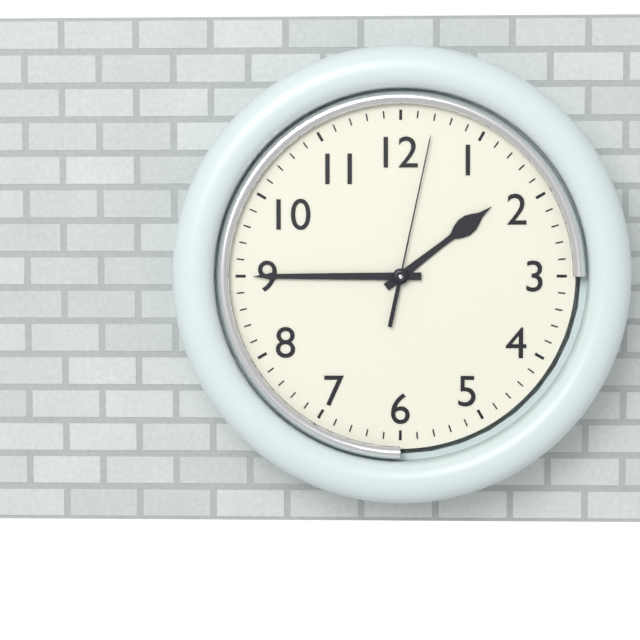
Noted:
1,45,02
